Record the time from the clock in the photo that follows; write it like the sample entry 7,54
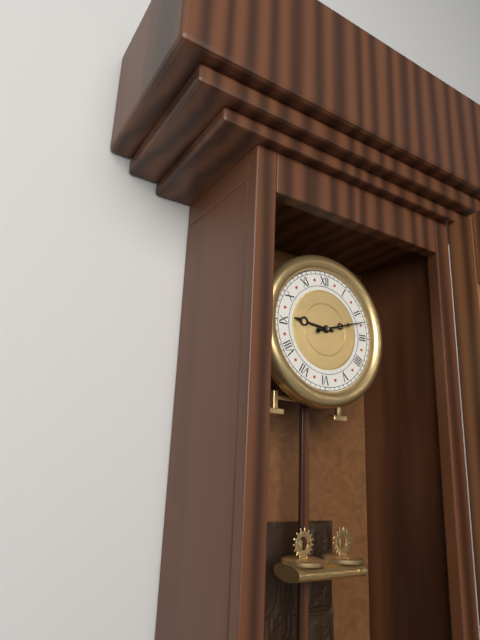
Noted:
9,12
